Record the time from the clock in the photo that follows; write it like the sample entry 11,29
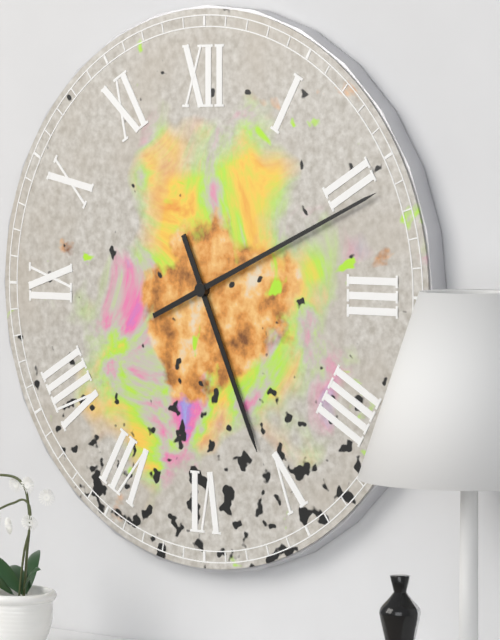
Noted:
5,11
